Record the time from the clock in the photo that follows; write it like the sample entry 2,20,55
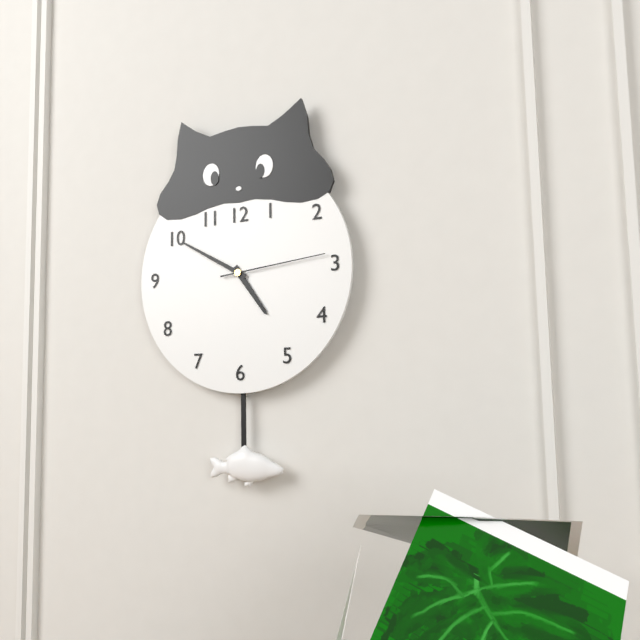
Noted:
4,50,14
